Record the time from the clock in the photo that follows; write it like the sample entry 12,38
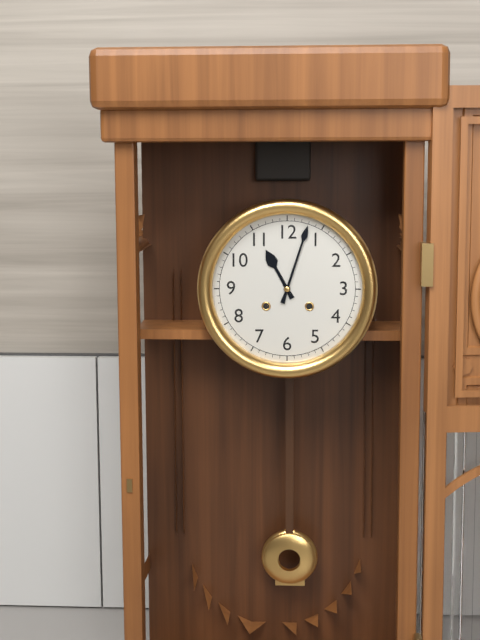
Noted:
11,03
